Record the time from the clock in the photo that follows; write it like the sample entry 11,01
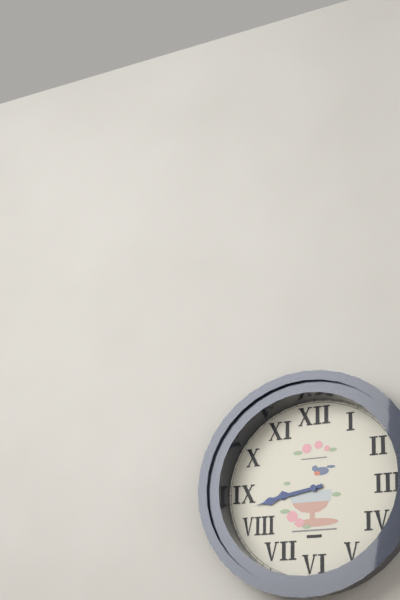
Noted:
8,43
